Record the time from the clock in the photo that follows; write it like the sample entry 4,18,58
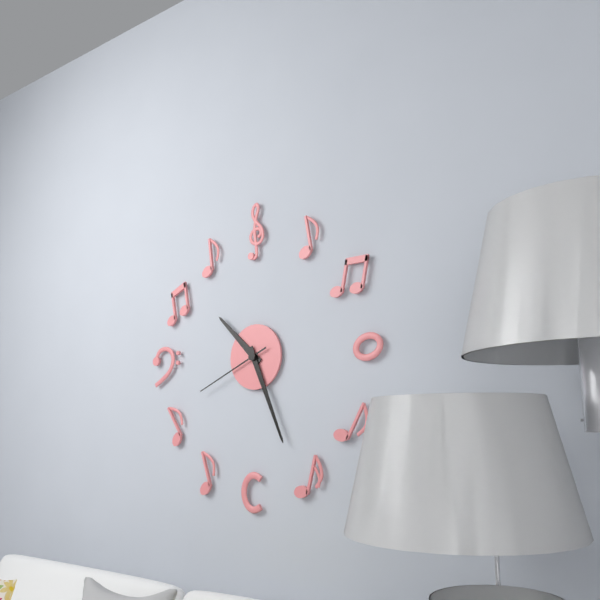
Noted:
10,26,41
